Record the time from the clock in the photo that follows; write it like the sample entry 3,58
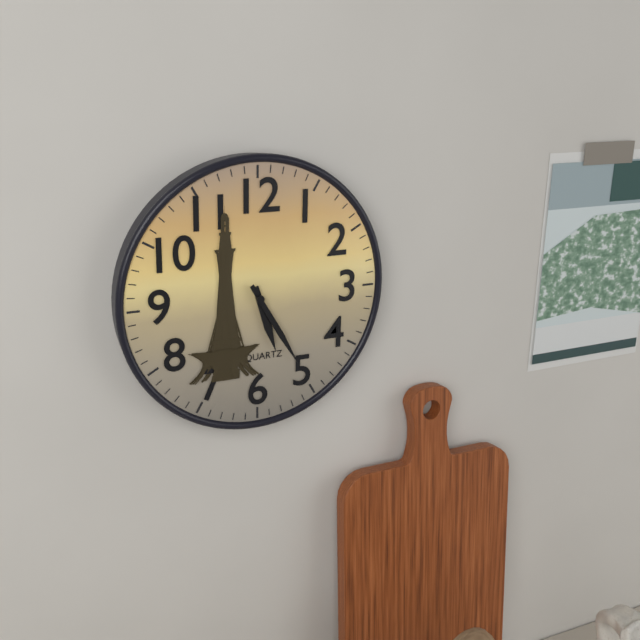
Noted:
5,25
